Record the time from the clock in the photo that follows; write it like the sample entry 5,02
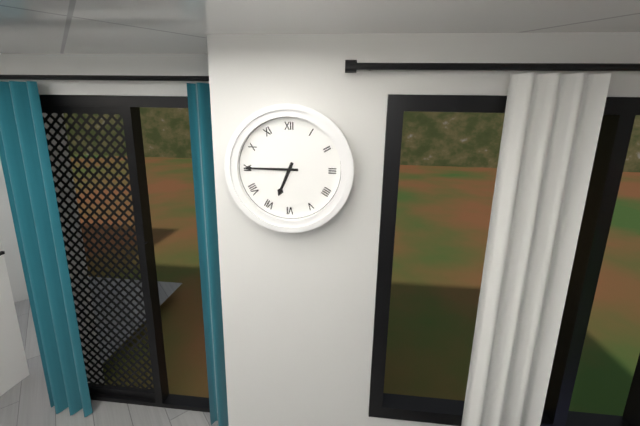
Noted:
6,45
